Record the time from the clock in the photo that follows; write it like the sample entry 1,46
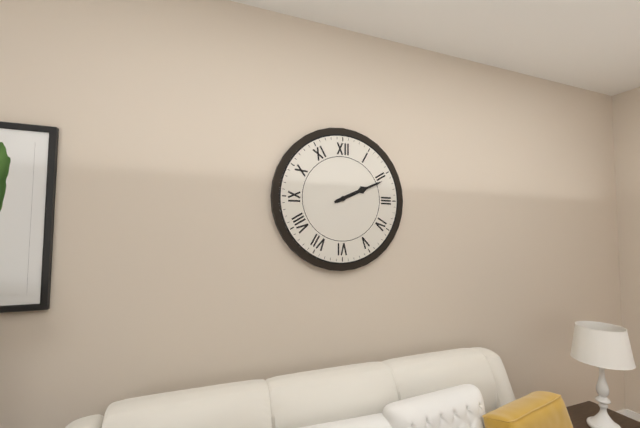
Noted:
2,11
